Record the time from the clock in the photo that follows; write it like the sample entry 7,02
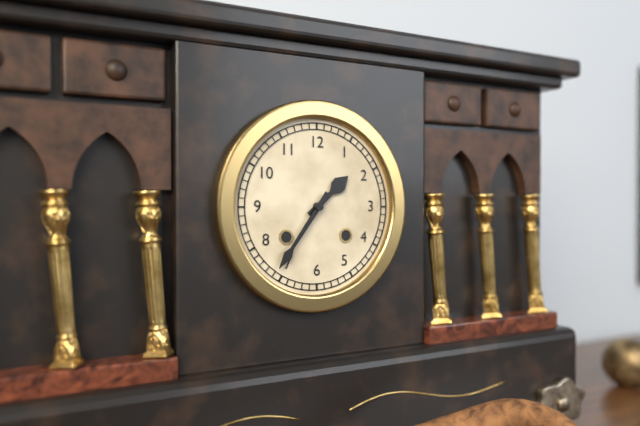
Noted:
1,36
